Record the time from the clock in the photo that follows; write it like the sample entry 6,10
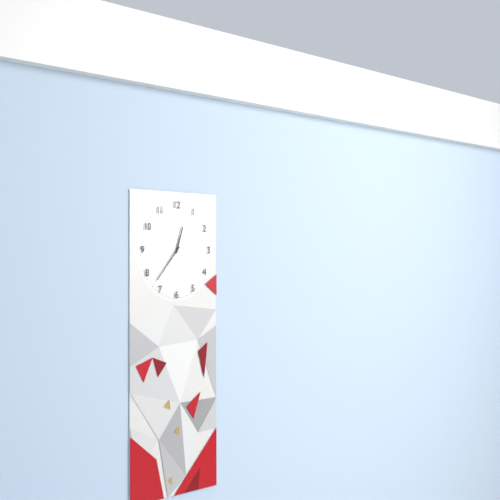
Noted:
12,37
